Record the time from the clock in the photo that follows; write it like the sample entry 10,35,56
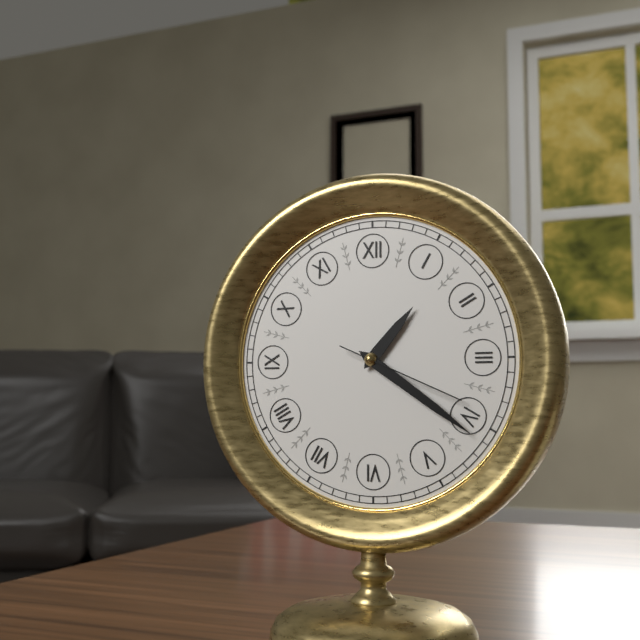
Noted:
1,21,19
